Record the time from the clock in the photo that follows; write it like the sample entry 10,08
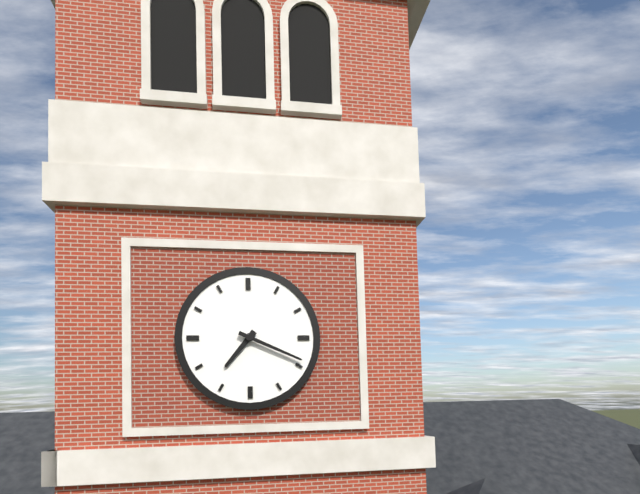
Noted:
7,19
